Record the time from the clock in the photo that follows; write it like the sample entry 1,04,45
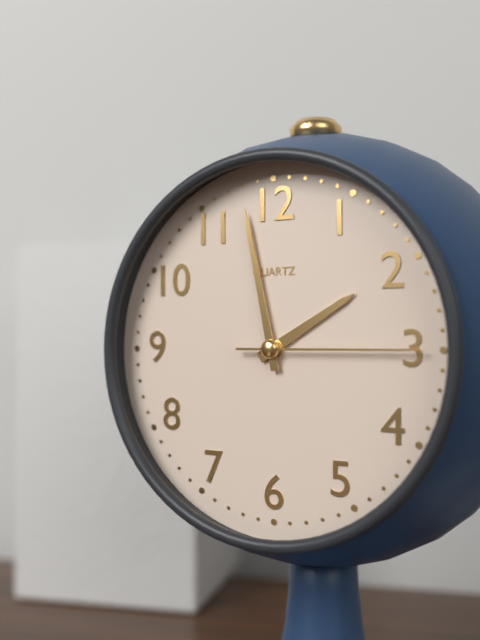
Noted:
1,58,15
